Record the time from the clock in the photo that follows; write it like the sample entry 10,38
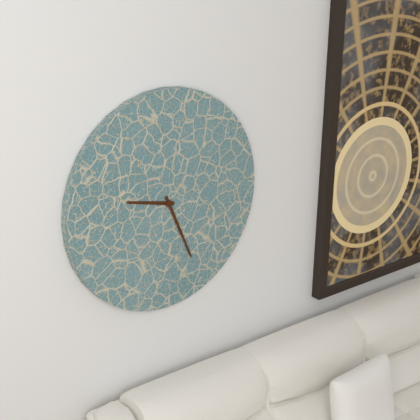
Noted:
9,26
